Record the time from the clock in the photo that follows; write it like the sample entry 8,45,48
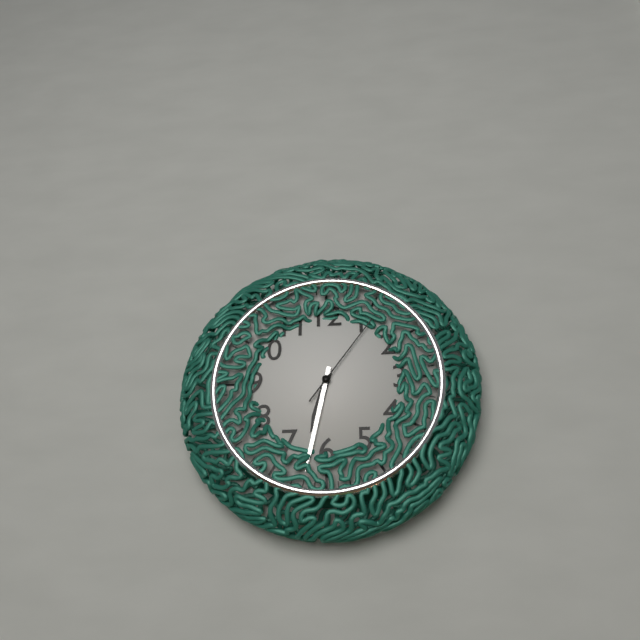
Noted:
6,32,06
